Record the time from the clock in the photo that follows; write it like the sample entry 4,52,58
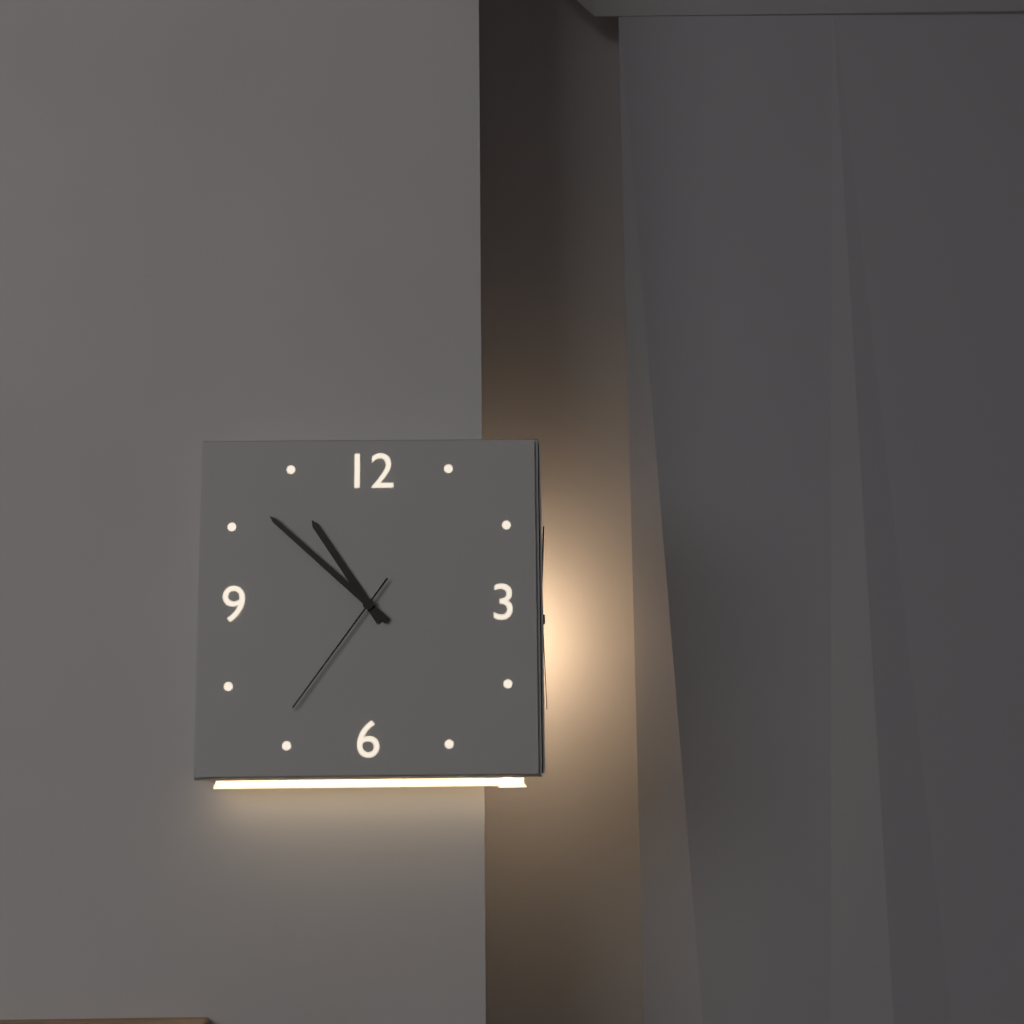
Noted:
10,52,36
